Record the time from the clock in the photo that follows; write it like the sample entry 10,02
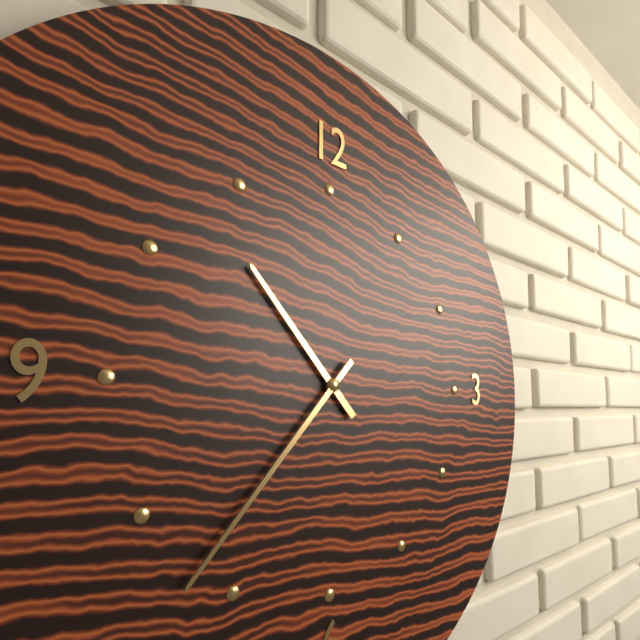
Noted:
10,37
